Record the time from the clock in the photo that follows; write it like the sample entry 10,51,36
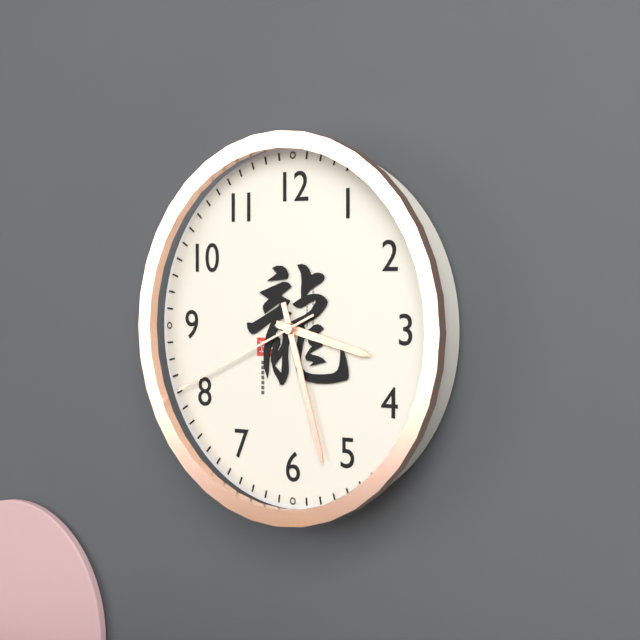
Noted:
3,27,41
